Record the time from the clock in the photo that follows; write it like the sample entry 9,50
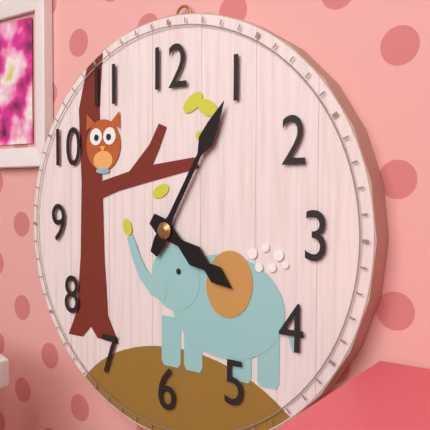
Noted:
4,05
